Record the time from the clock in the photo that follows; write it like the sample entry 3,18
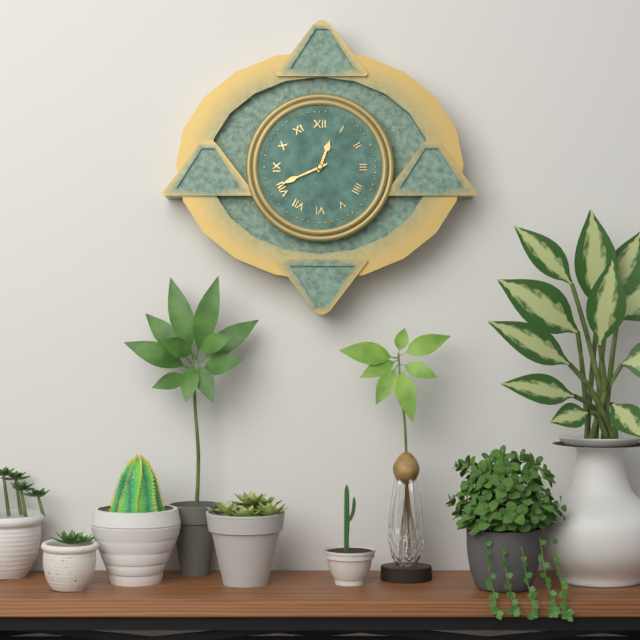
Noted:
12,41
